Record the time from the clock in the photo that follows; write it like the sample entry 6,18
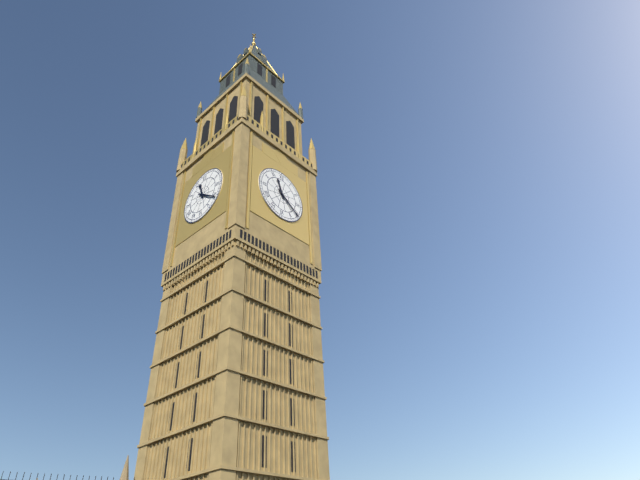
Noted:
11,21
